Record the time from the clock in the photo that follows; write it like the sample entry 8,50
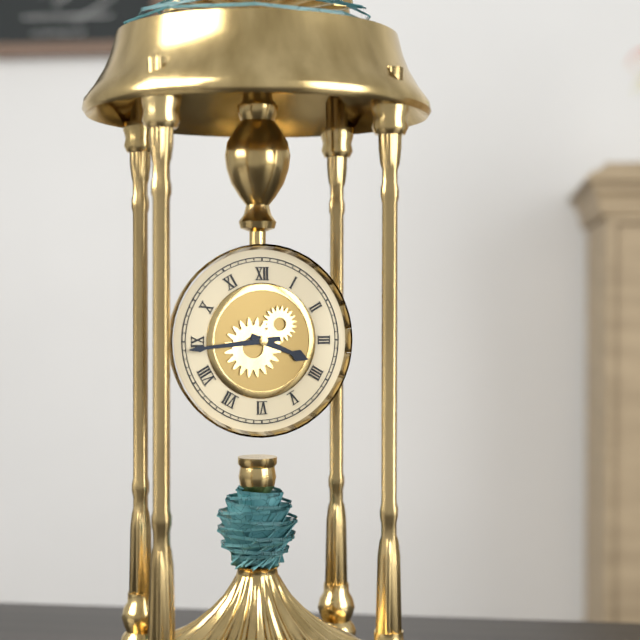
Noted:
3,44
